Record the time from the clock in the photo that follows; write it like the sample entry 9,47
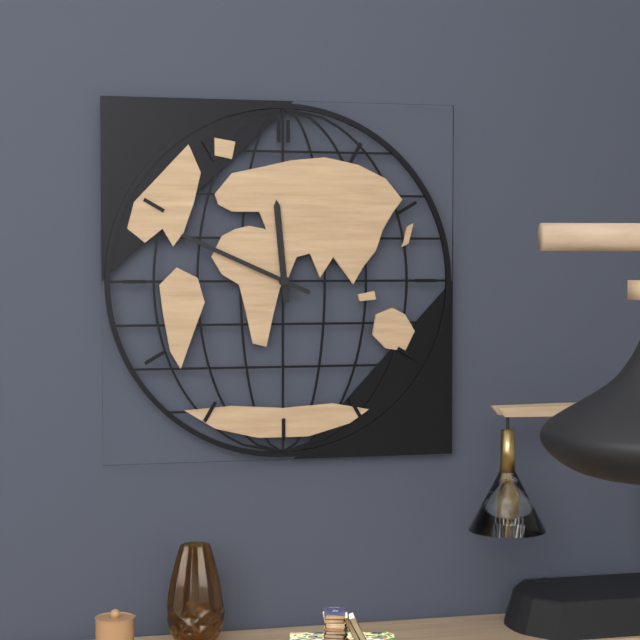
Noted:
11,49
